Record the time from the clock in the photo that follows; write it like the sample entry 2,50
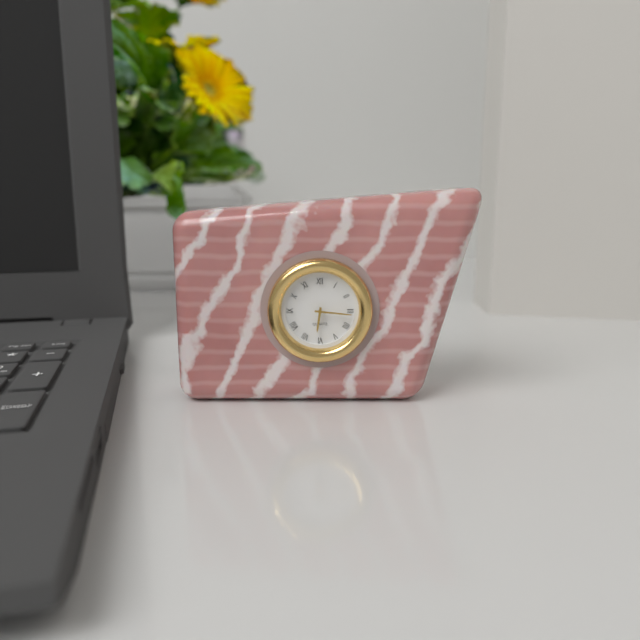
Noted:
6,16
